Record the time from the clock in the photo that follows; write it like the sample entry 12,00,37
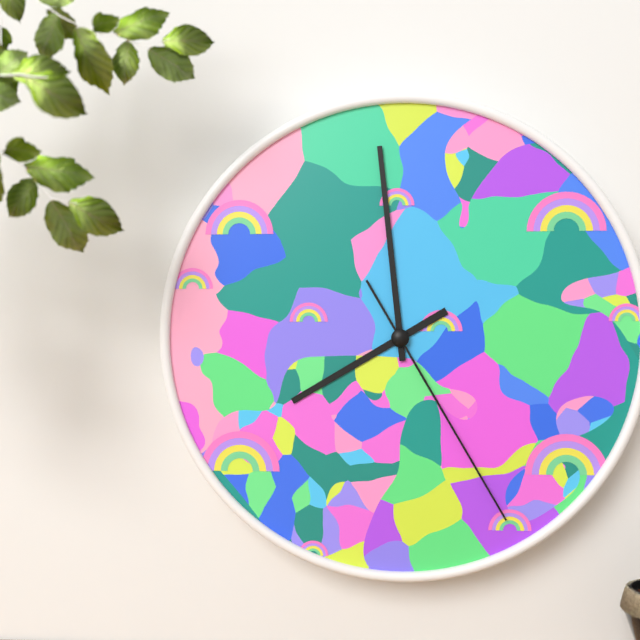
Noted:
7,59,25
